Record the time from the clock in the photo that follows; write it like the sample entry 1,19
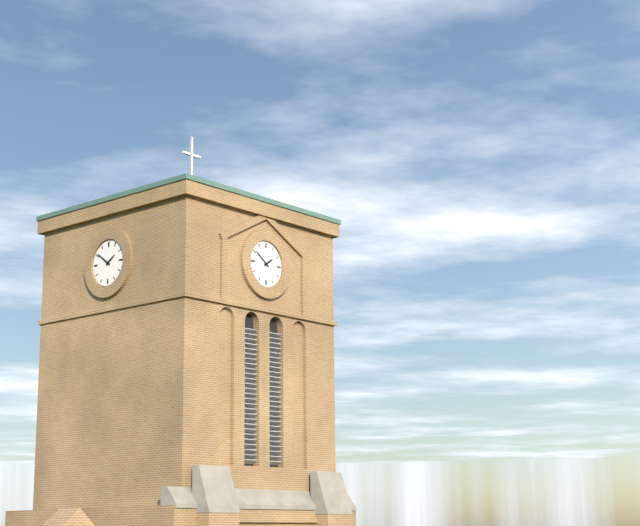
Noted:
1,51
